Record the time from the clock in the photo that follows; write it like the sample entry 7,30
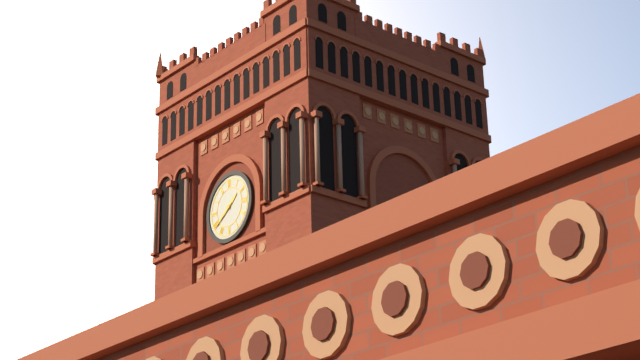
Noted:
1,39
